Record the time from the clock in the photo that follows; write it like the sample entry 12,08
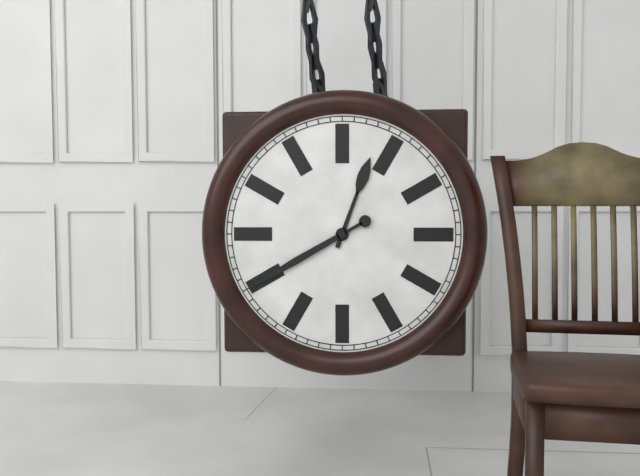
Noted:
12,40
